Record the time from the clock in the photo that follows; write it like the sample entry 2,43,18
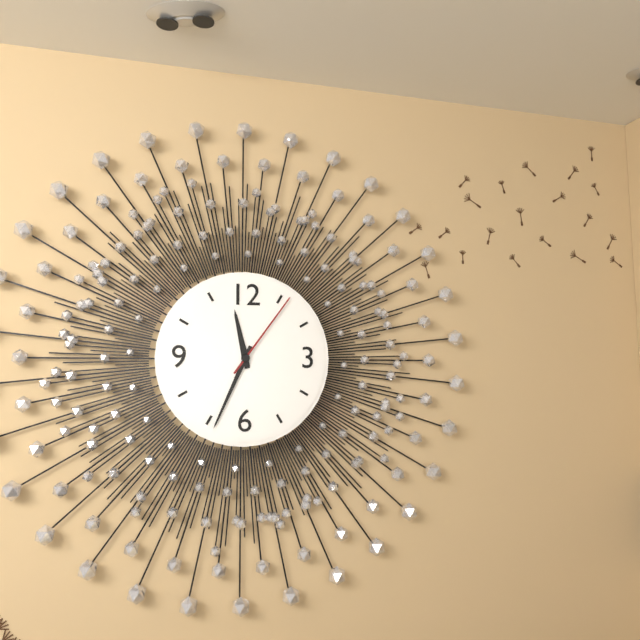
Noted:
11,34,06
